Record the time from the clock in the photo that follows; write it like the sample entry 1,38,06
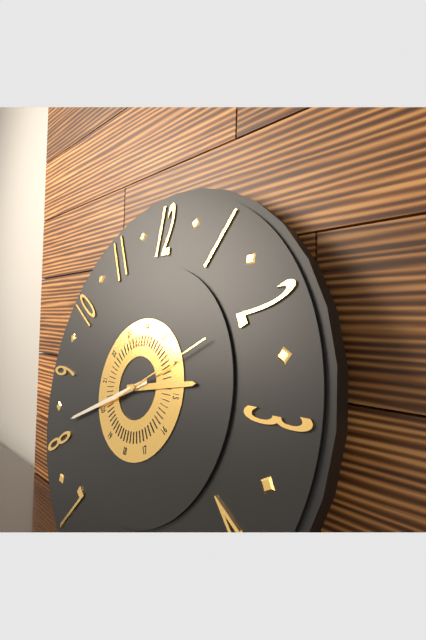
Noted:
2,41,10
